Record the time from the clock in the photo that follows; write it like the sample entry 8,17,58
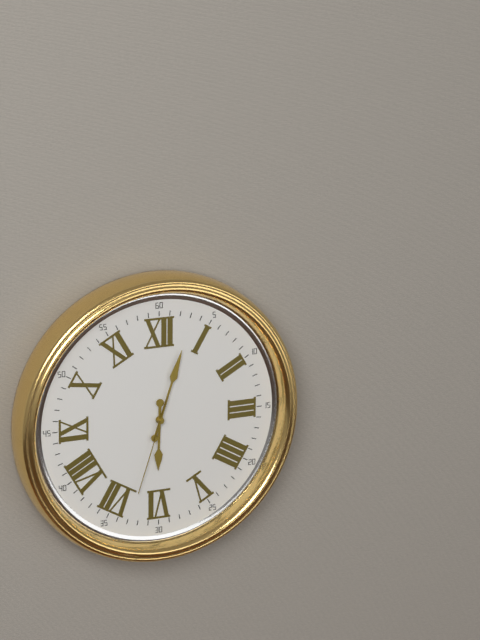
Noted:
6,03,33
